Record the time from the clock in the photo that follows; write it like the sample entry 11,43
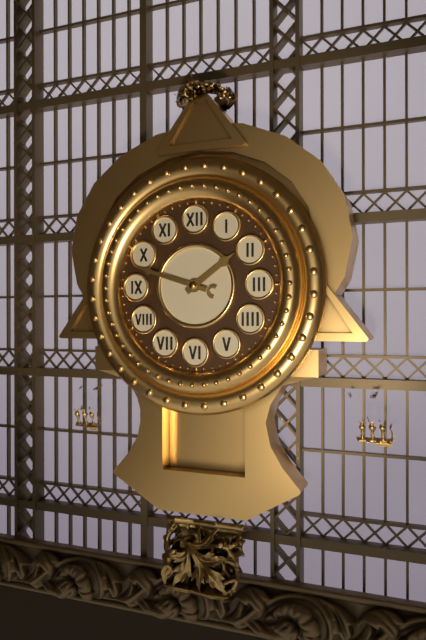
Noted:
1,48
